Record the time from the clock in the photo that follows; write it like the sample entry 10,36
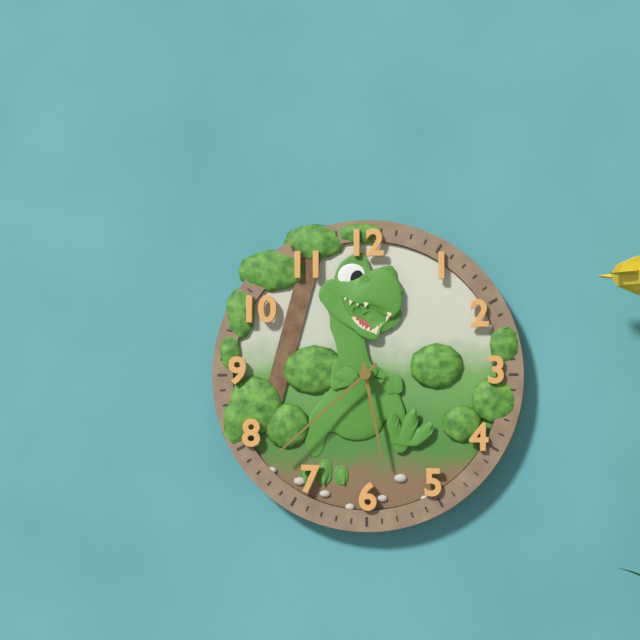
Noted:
5,38
